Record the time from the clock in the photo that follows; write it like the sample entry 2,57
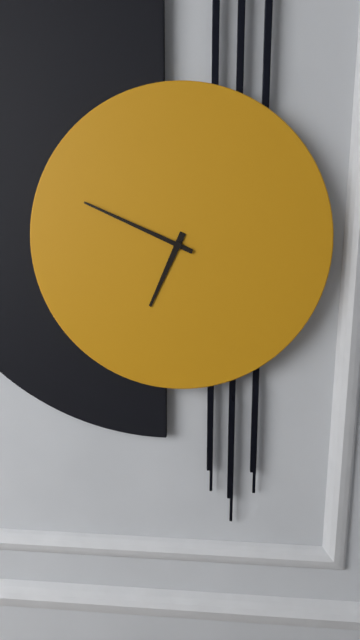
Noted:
6,49
